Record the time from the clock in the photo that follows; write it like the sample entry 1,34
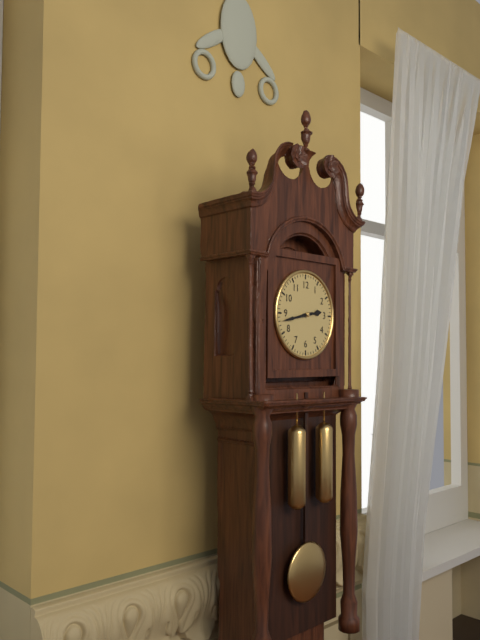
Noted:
2,43
